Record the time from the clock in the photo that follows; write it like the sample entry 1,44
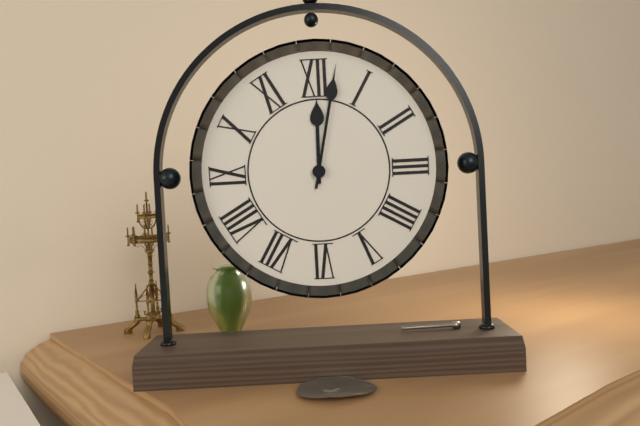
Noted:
12,02
